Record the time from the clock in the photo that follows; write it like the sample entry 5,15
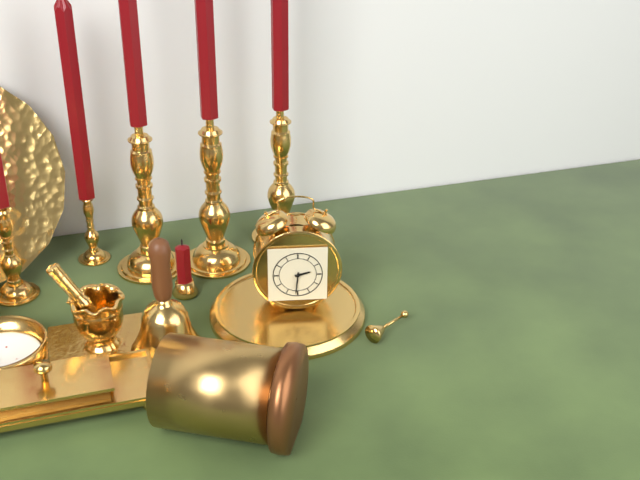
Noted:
2,31
